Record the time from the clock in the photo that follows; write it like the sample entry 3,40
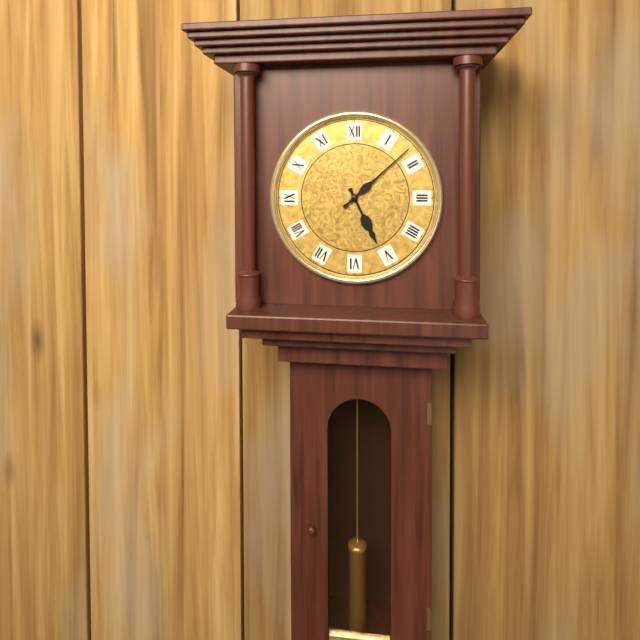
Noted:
5,08
